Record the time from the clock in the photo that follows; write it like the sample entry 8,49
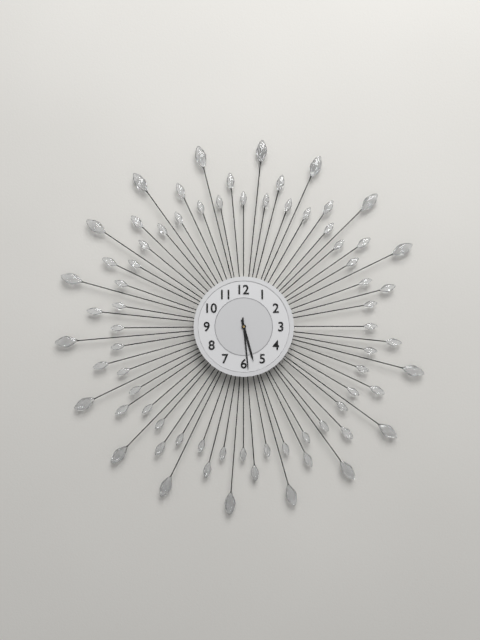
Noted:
5,29
